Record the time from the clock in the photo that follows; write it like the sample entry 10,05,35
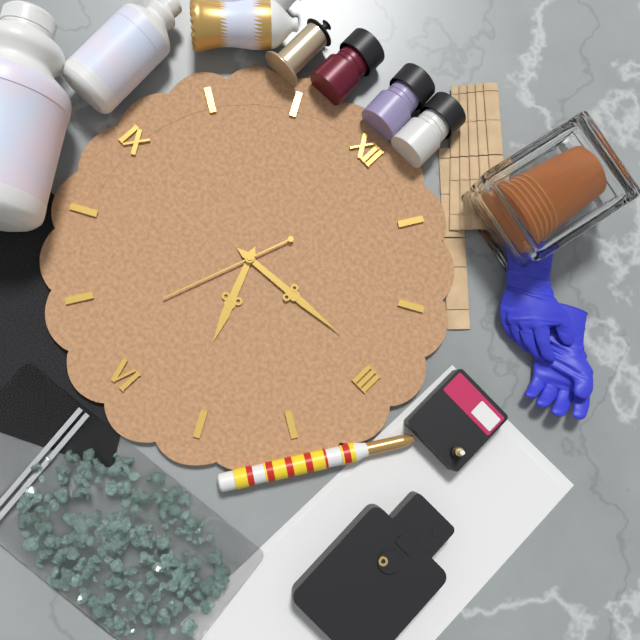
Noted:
5,14,33
